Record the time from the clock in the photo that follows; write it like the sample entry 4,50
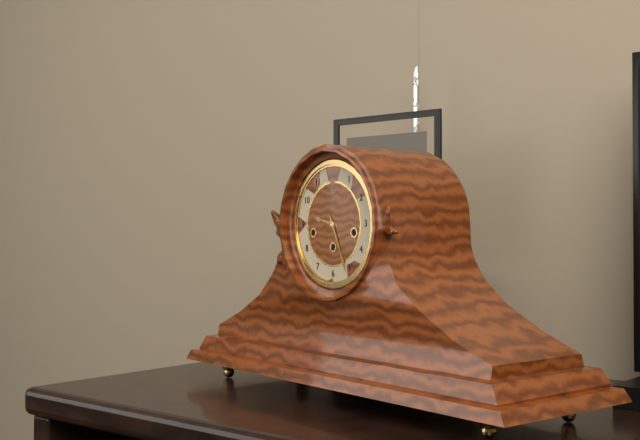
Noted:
9,26
